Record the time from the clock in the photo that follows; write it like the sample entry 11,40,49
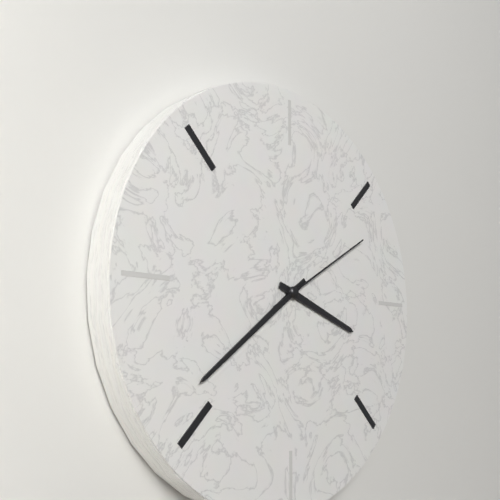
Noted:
3,39,10
